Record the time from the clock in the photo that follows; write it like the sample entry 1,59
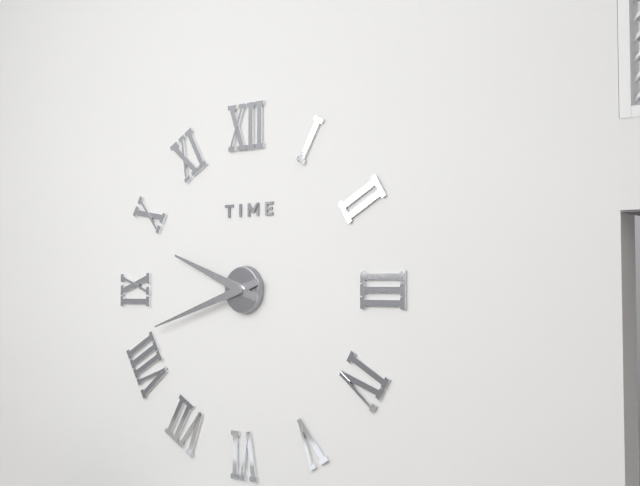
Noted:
9,42
